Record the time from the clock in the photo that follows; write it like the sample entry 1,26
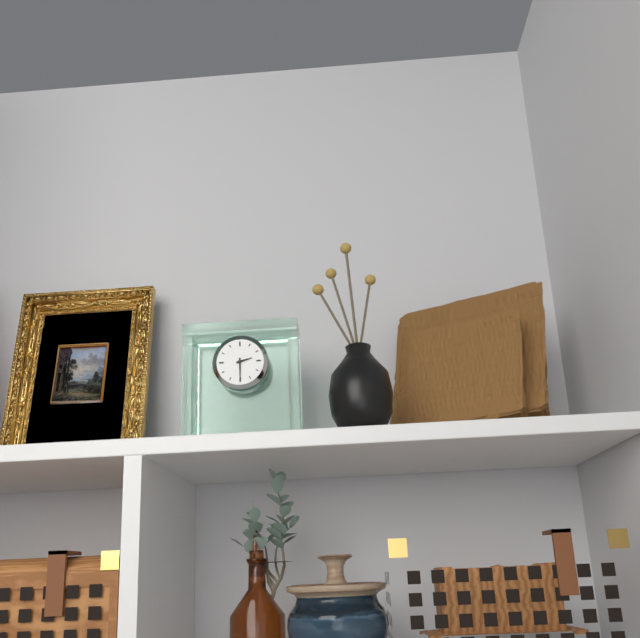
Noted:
2,30
